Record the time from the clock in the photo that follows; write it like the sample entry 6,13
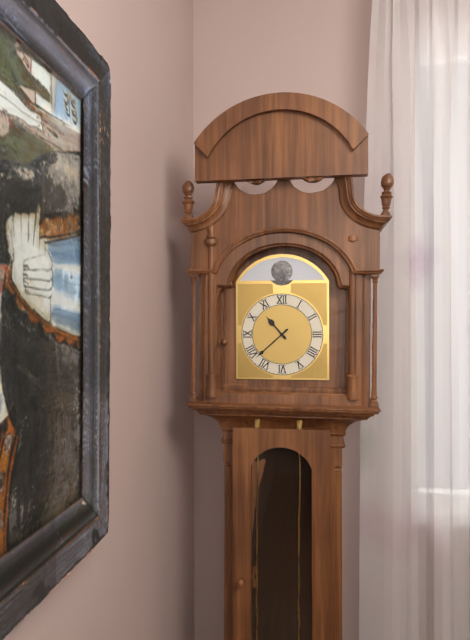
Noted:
10,38
